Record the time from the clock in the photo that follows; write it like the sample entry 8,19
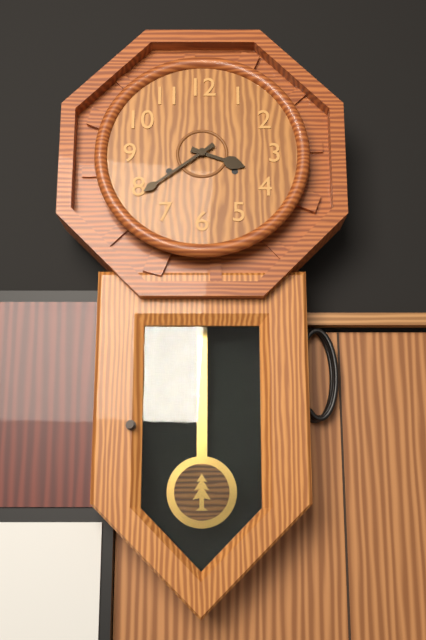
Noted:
3,39
